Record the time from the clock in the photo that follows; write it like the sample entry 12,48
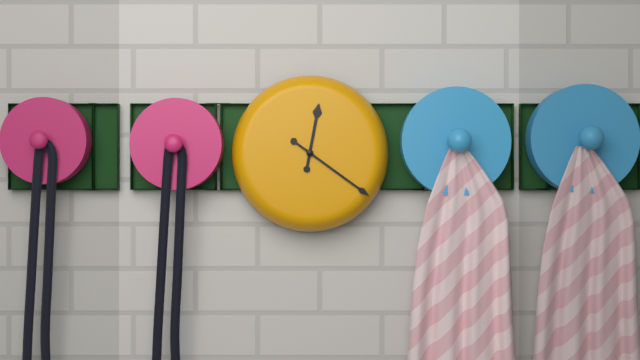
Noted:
12,21
